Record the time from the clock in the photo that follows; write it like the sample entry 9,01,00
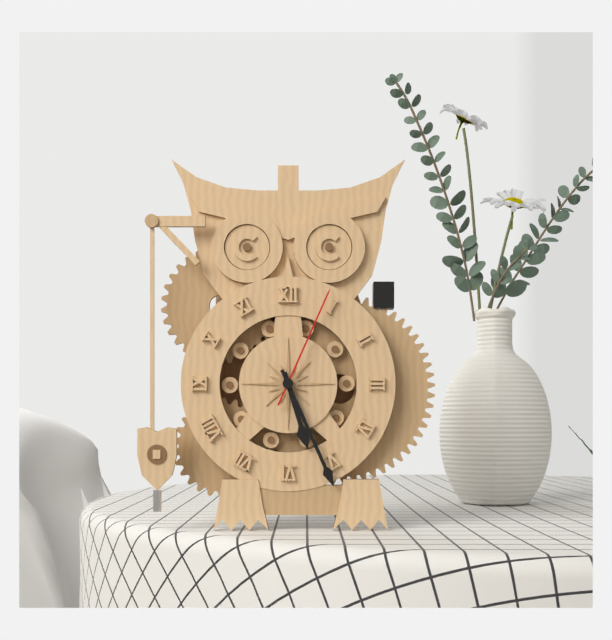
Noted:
5,26,04
